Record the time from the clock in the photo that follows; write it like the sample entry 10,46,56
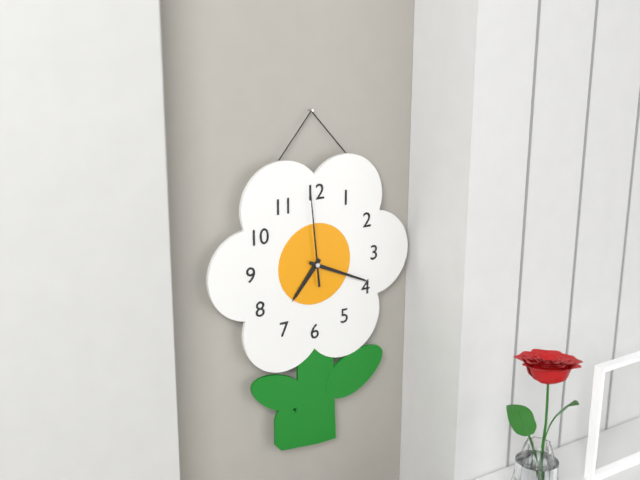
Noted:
7,19,59
